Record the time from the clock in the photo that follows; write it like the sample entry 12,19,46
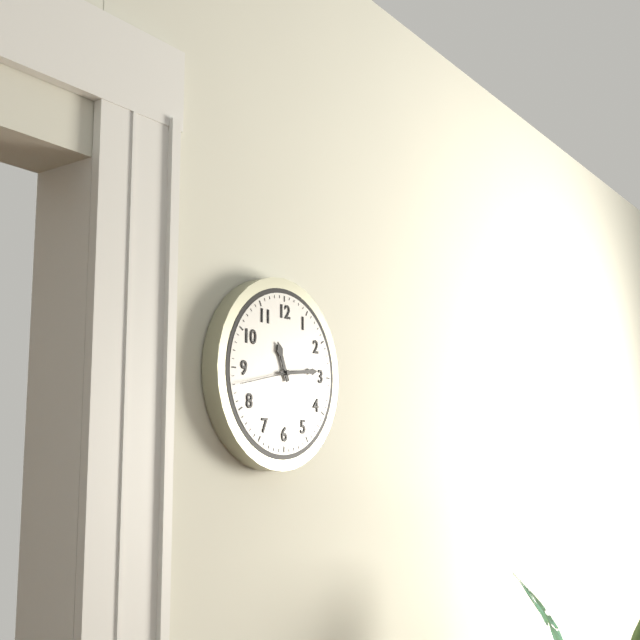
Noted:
11,14,43
